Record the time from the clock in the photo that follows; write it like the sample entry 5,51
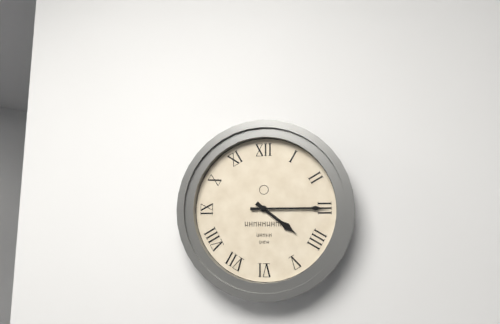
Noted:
4,15
